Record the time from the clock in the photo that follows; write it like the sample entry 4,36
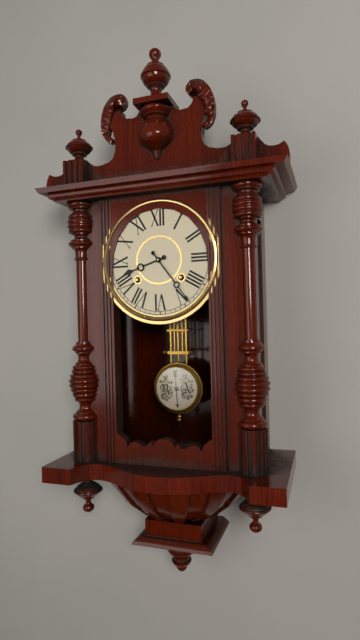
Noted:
8,24
